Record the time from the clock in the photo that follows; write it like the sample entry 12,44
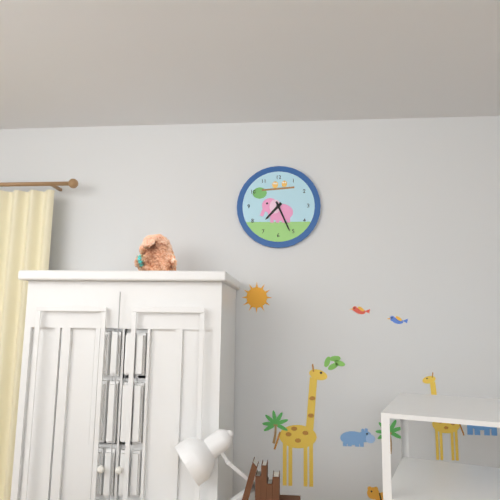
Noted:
7,26
